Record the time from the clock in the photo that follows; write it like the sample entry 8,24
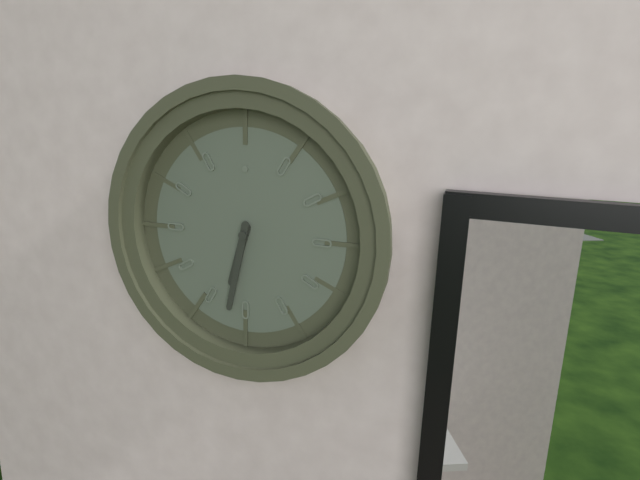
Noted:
6,32
